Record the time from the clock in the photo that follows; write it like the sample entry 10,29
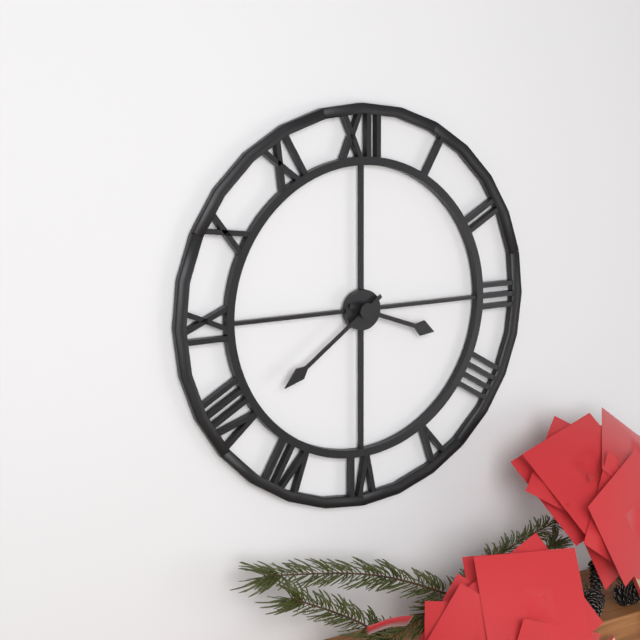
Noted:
3,39
